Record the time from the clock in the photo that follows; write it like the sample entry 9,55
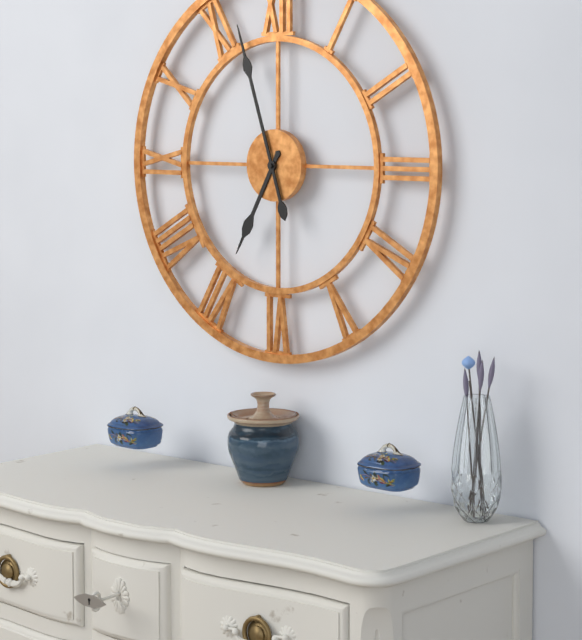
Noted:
6,57
